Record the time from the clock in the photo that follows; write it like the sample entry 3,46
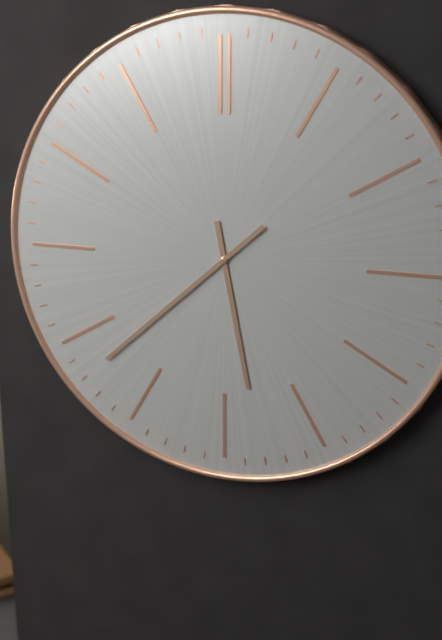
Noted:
5,38
